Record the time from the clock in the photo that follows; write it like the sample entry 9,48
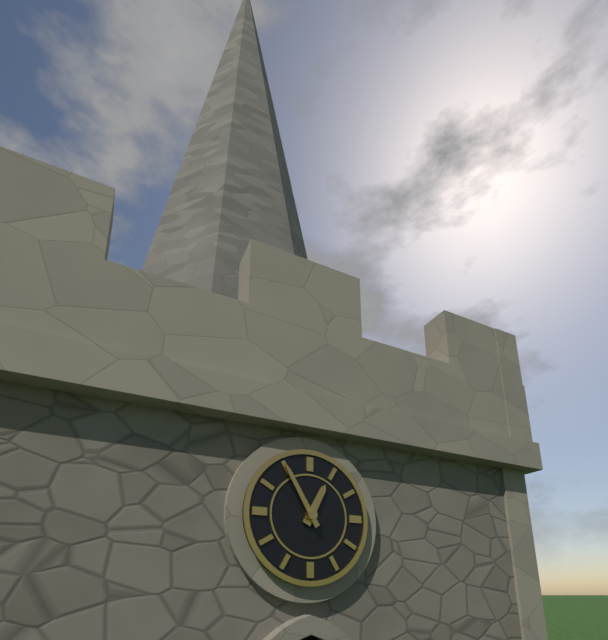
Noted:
12,55
